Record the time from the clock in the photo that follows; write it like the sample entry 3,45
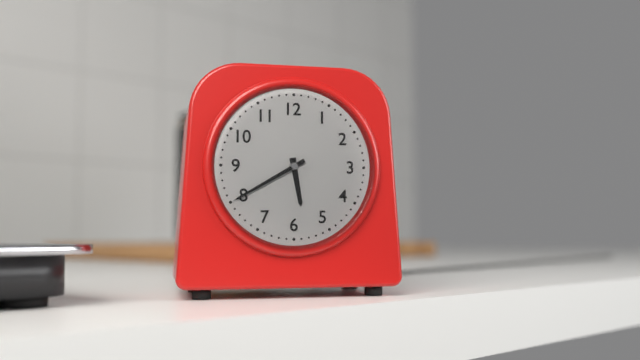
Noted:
5,40
